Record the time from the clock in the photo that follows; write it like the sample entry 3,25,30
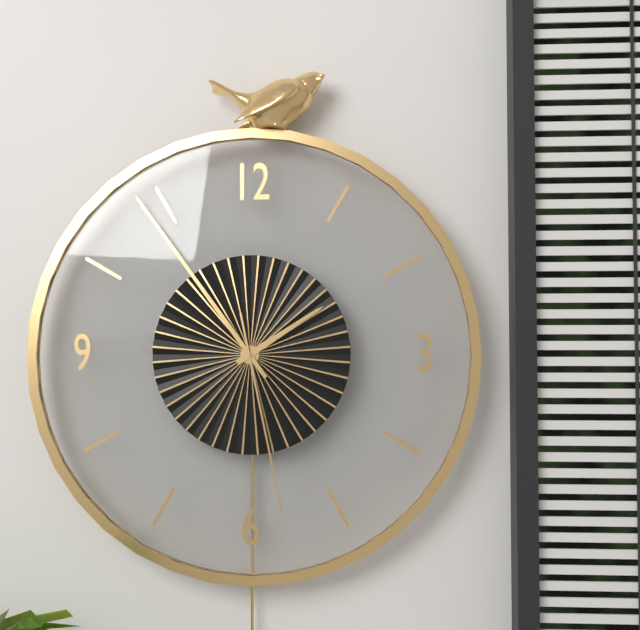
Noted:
1,54,28
